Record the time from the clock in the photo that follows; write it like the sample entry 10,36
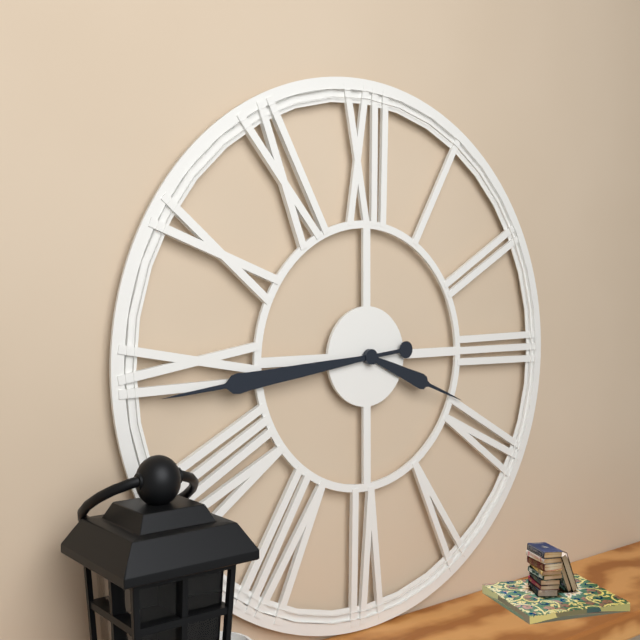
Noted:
3,44
